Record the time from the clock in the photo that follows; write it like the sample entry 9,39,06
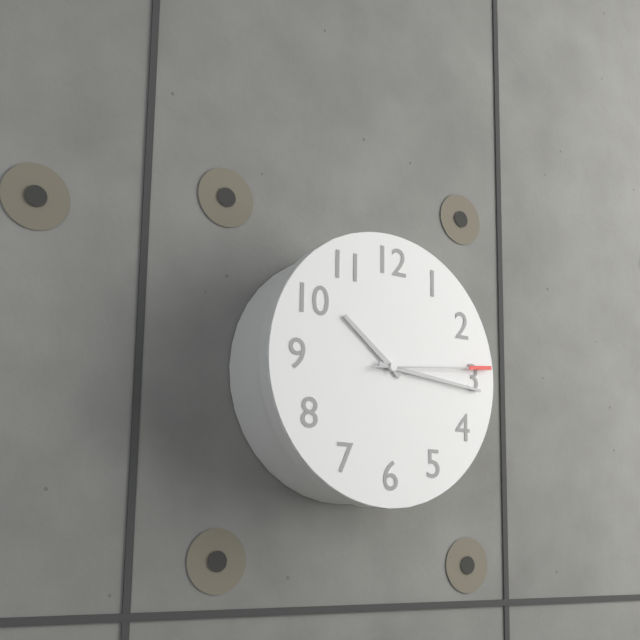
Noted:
10,16,14
